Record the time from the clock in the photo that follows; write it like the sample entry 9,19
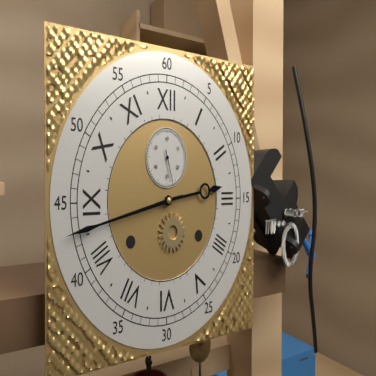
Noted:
2,43
